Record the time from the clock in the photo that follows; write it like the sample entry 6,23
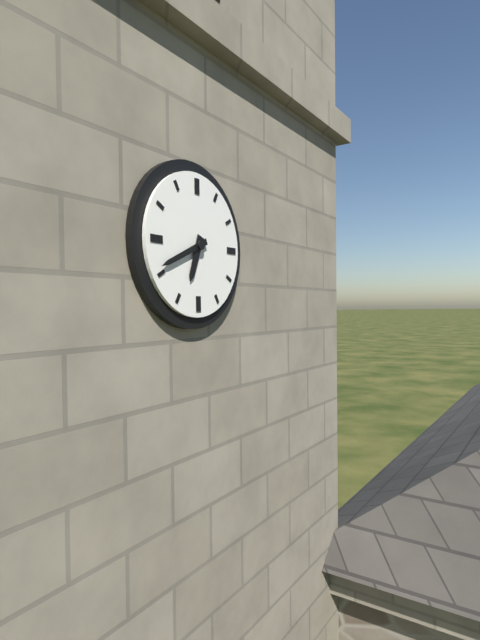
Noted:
6,41
